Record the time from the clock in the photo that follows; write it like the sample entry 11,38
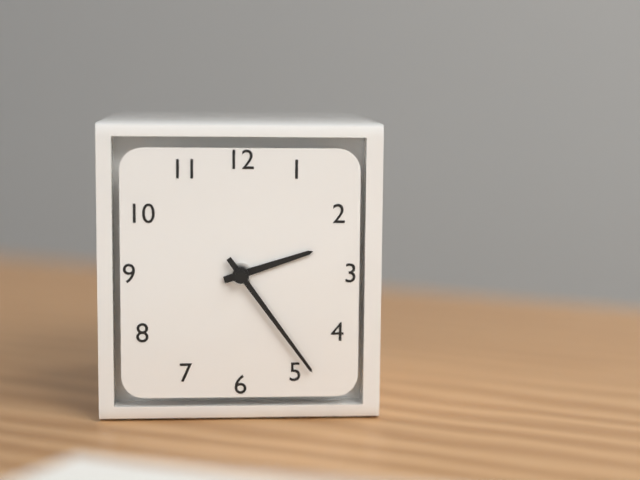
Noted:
2,24
